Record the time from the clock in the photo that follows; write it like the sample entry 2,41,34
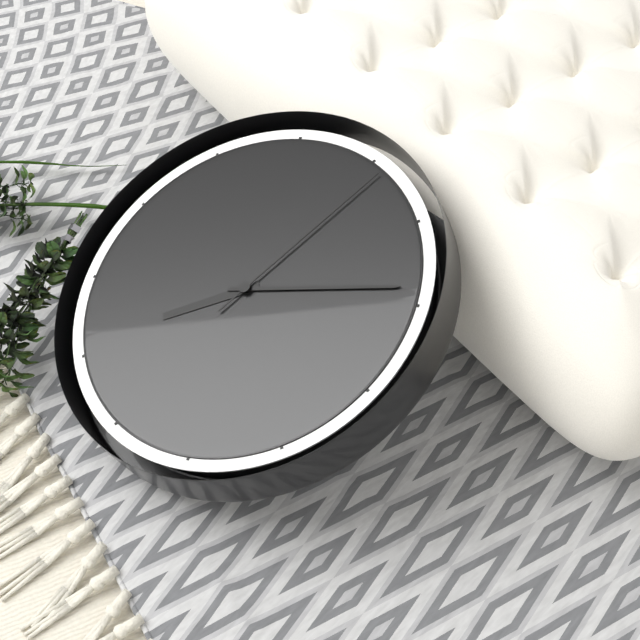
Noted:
7,09,01
